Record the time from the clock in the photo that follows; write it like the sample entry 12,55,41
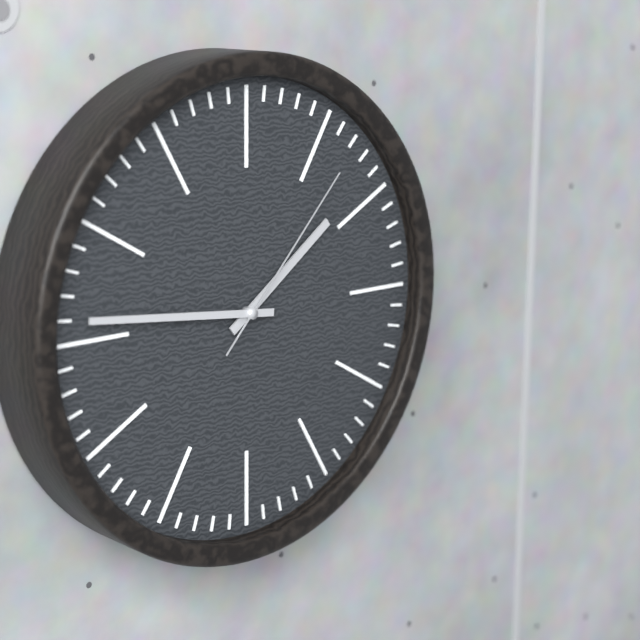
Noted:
1,46,07
